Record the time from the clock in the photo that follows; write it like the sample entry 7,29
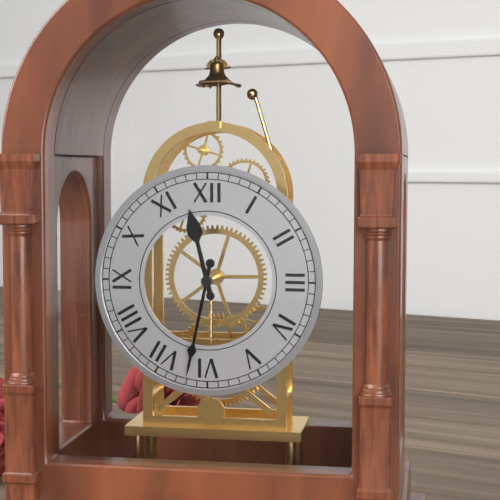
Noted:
11,32
